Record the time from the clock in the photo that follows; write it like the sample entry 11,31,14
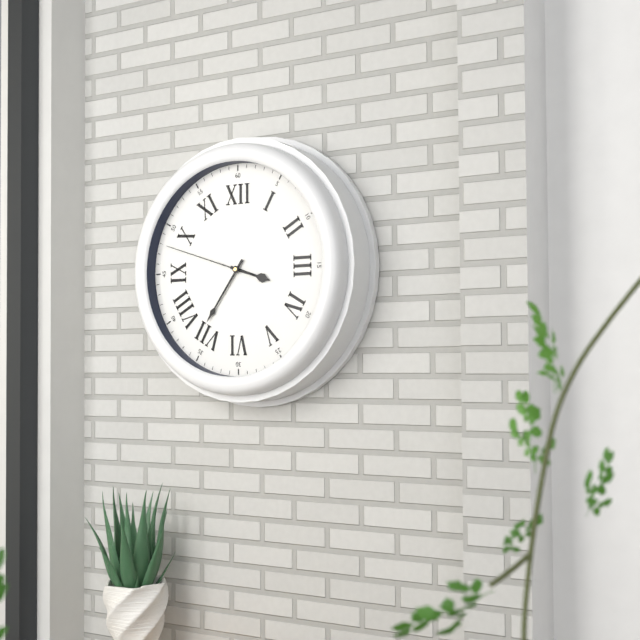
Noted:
3,36,48
